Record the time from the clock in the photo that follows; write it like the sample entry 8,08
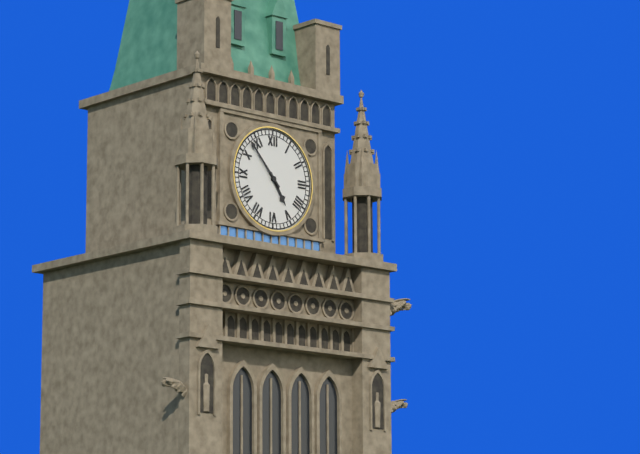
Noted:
4,53
